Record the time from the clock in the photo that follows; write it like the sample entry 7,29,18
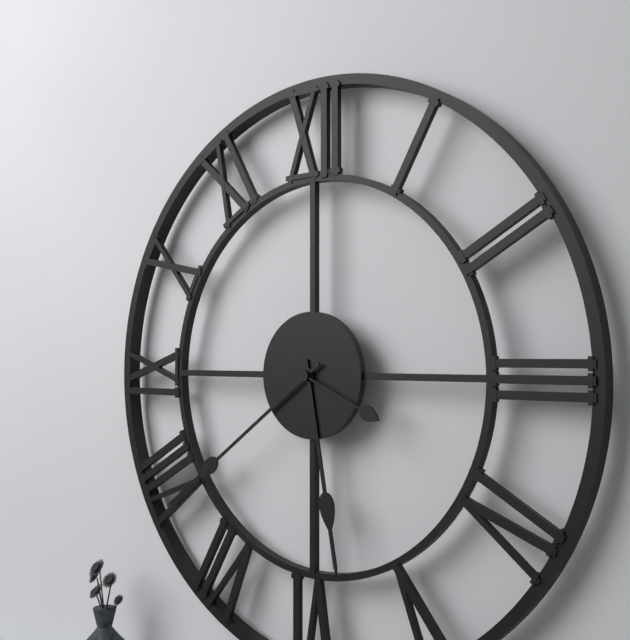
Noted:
5,39,19
